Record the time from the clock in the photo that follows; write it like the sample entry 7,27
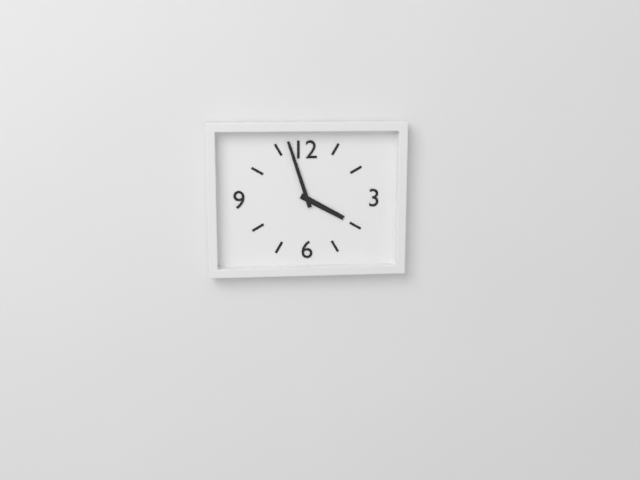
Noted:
3,57
